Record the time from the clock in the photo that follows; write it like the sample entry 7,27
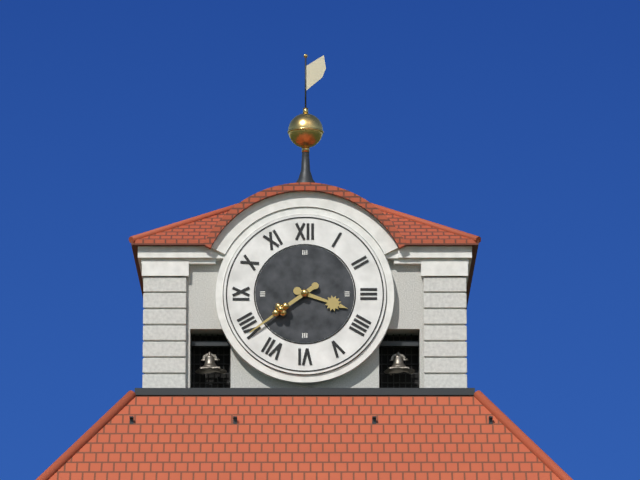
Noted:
3,39
